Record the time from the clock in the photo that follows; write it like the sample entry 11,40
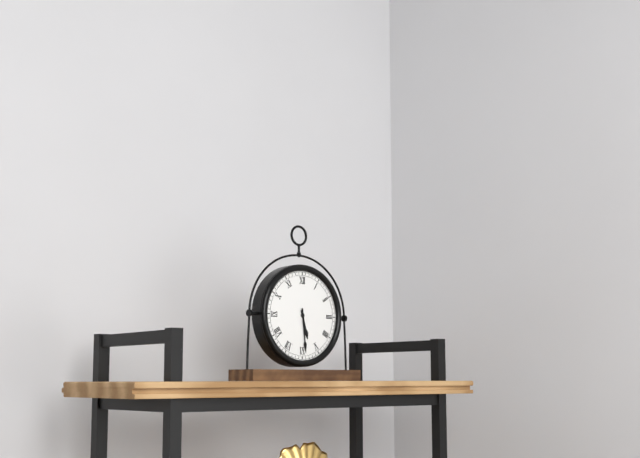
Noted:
5,29
